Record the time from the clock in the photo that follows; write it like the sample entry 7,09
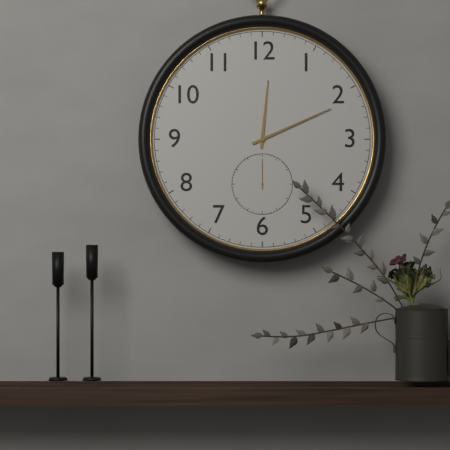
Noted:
12,11
